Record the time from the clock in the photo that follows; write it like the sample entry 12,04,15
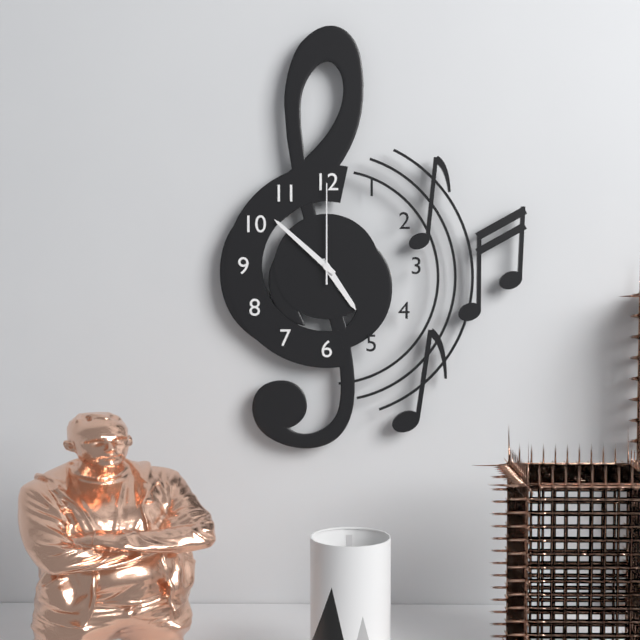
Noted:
4,52,00
